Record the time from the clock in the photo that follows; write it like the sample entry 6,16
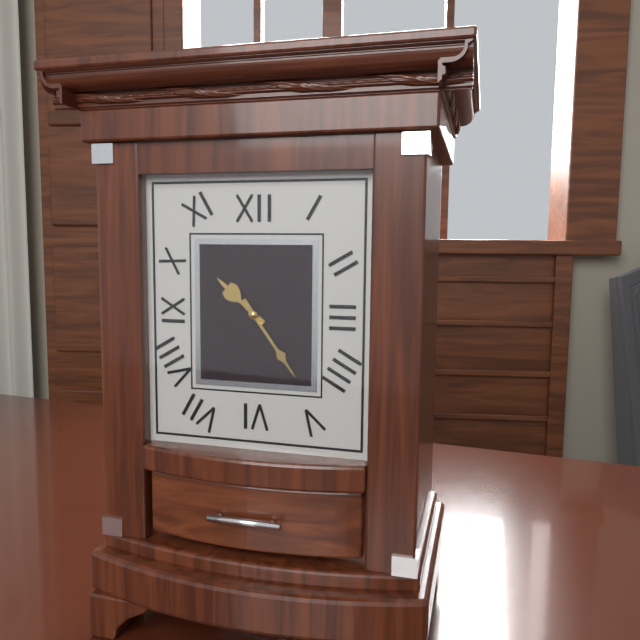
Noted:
10,24
